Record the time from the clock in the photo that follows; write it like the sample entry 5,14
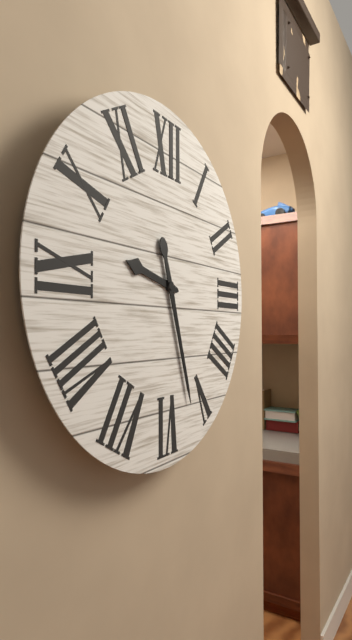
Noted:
9,27
